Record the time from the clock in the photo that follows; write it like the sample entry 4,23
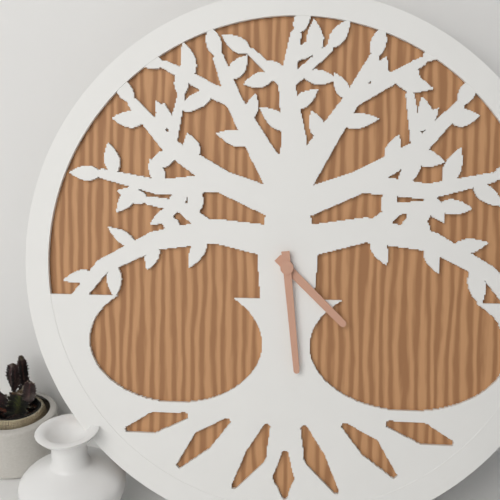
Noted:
4,29
